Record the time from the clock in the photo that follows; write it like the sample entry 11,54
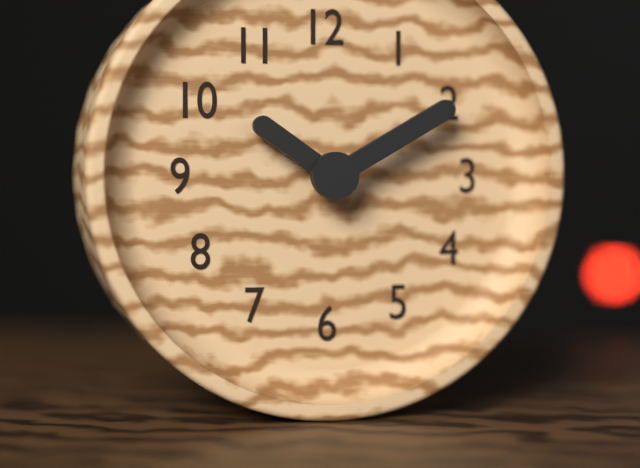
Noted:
10,10
